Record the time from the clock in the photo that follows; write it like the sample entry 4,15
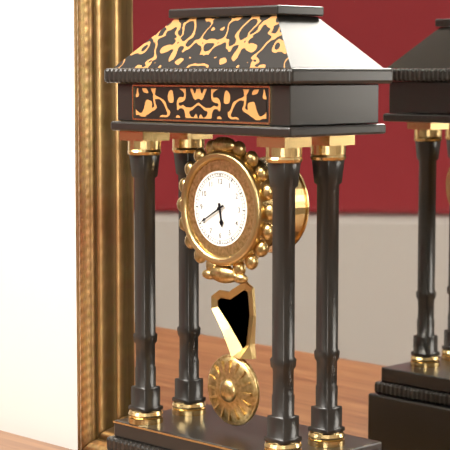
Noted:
5,40
